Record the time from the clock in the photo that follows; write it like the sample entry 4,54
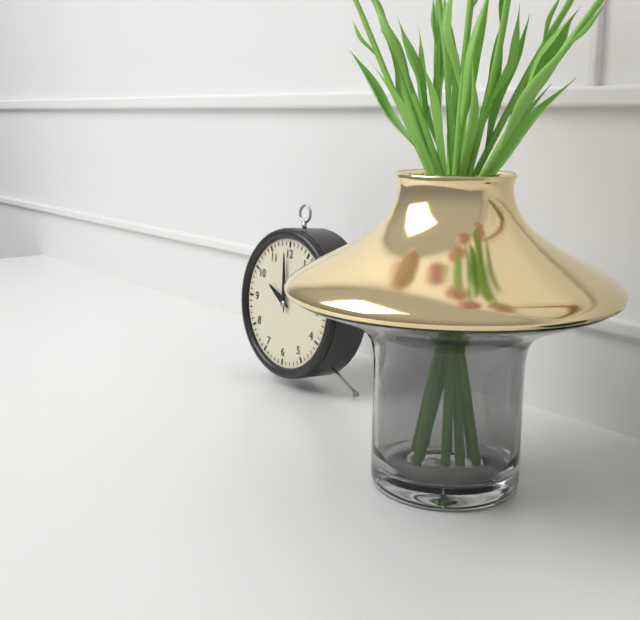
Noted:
9,59
